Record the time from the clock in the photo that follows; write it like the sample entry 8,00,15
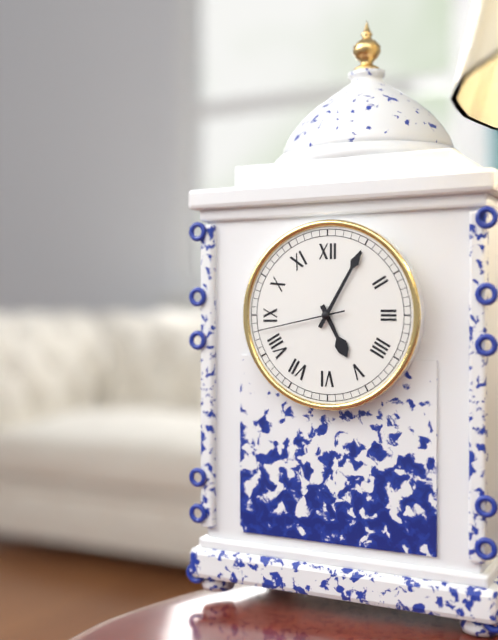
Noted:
5,05,43
